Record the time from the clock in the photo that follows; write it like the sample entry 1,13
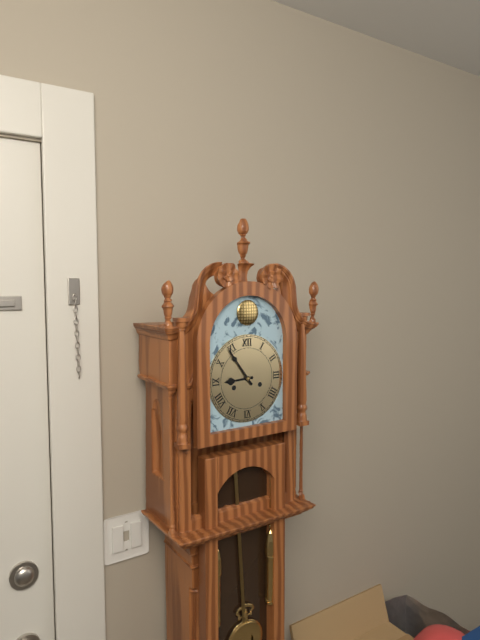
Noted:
8,54
